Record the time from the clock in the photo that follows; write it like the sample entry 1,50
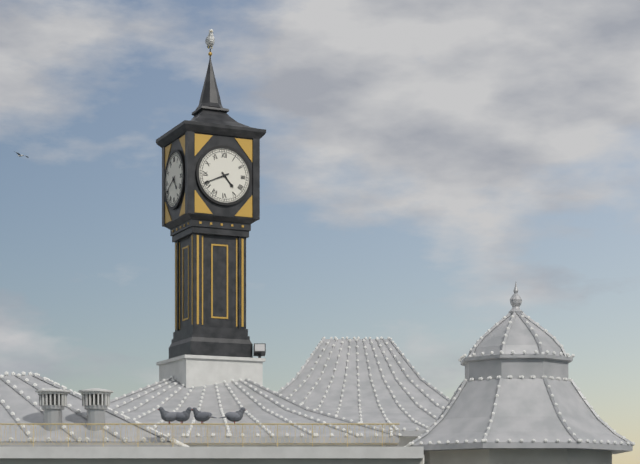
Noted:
4,41
